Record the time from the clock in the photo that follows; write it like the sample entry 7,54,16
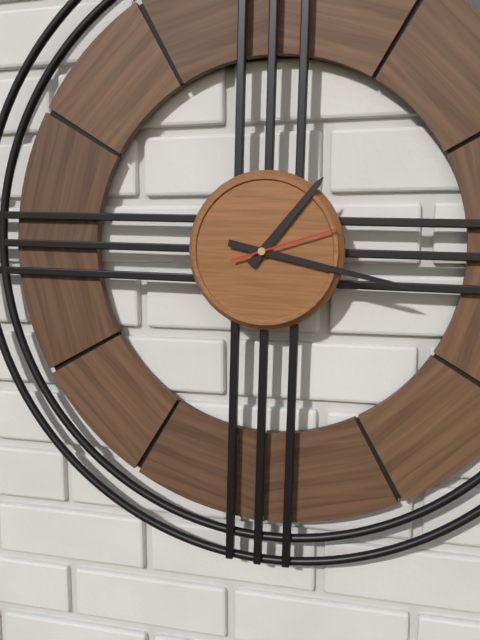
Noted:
1,17,12
